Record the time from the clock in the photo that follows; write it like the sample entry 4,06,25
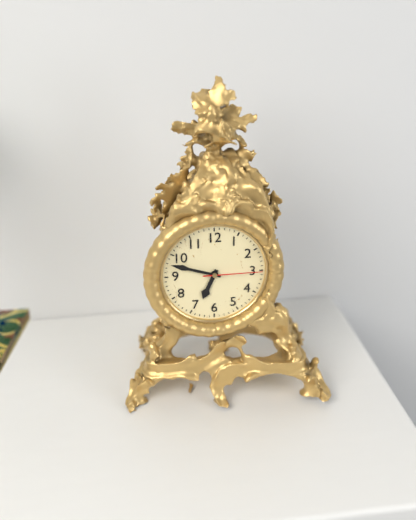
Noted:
6,48,15
